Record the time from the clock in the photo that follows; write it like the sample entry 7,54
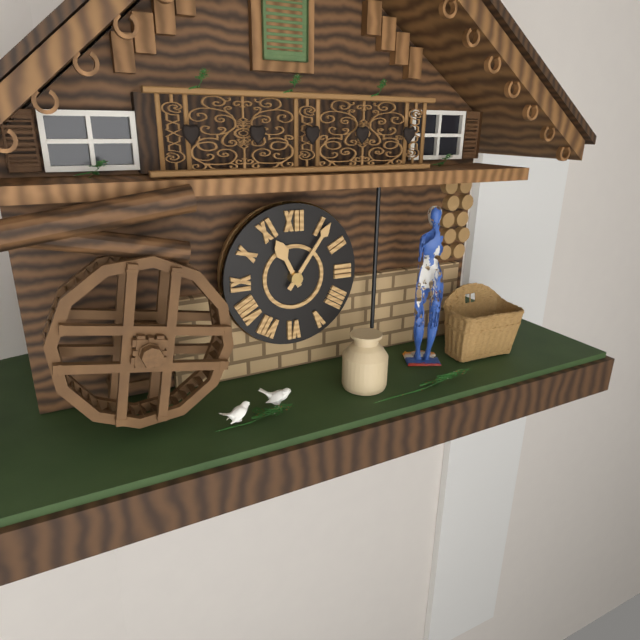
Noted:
11,06
